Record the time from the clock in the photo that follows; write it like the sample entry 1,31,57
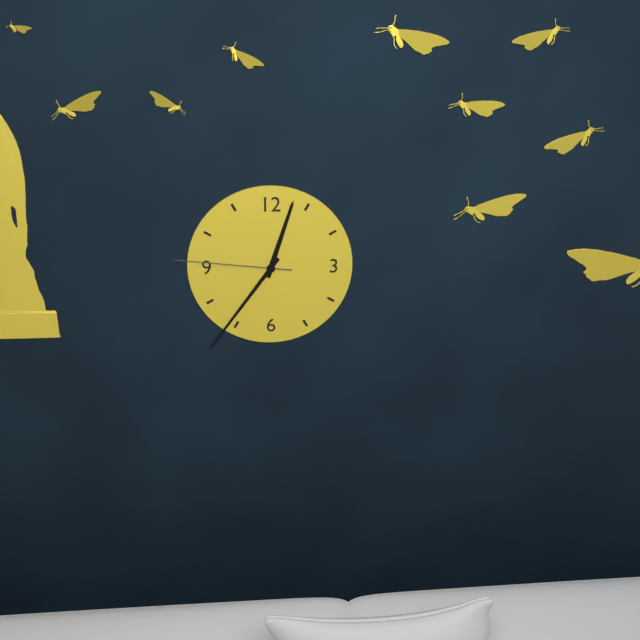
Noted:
12,36,46
